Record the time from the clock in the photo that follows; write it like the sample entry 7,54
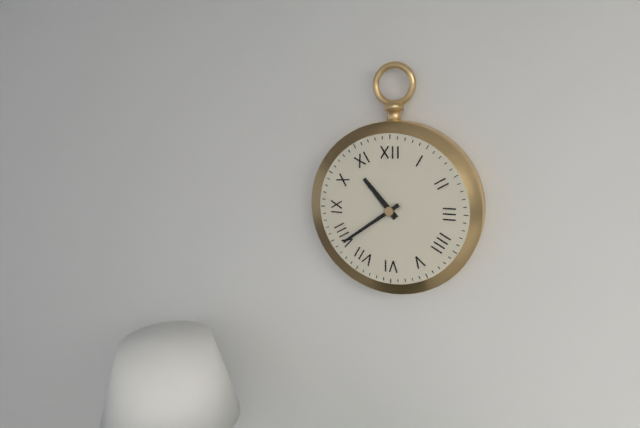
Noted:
10,39
